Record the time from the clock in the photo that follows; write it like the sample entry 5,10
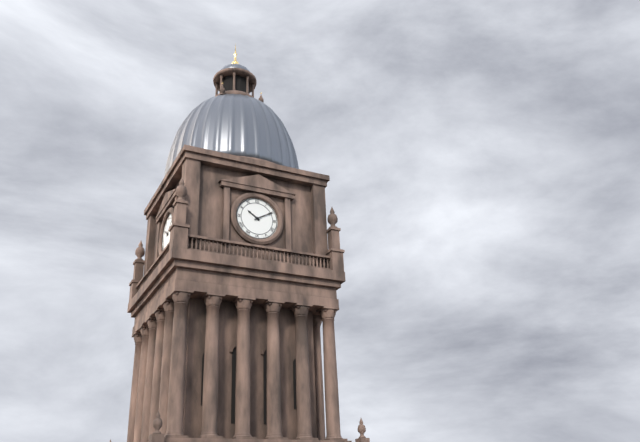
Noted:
10,10
